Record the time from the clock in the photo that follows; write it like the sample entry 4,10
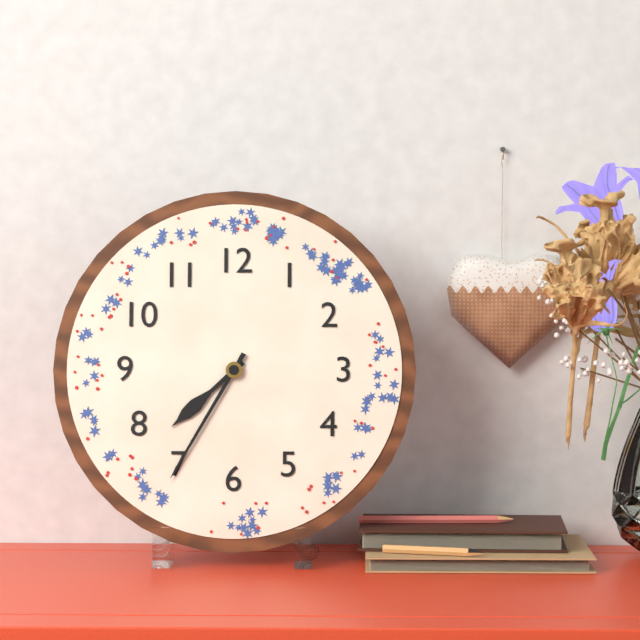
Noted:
7,35
